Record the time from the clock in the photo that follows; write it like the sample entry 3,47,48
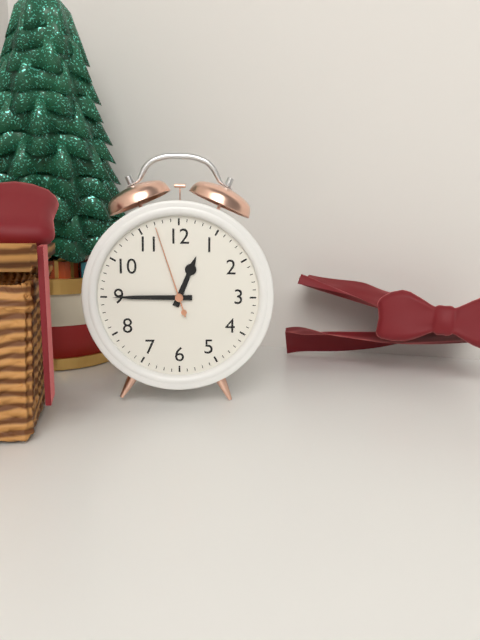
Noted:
12,45,57
